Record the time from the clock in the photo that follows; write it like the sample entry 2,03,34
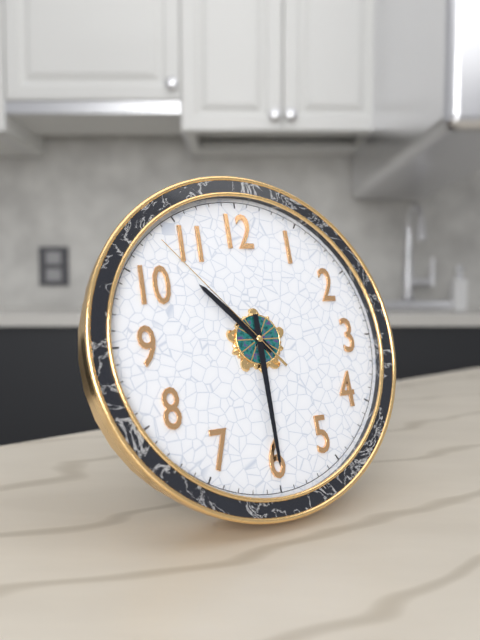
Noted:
10,30,53
